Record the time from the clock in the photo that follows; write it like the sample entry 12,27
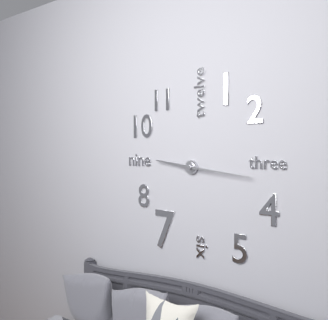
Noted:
9,16
